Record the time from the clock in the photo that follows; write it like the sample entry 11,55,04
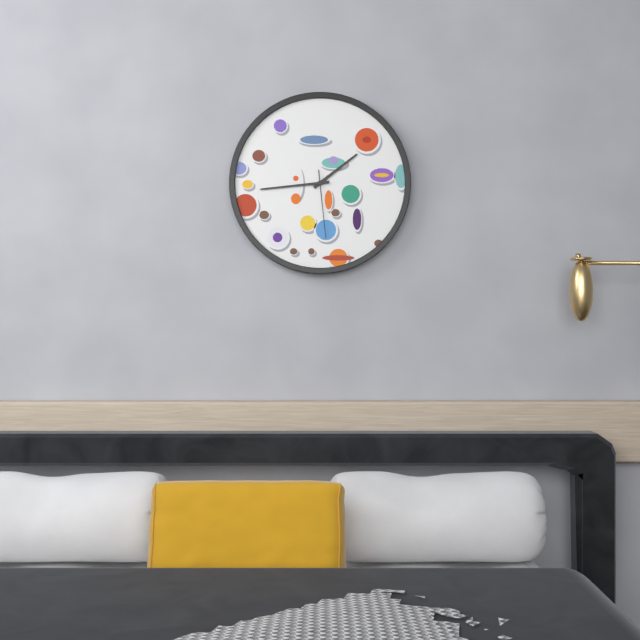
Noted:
1,44,29
